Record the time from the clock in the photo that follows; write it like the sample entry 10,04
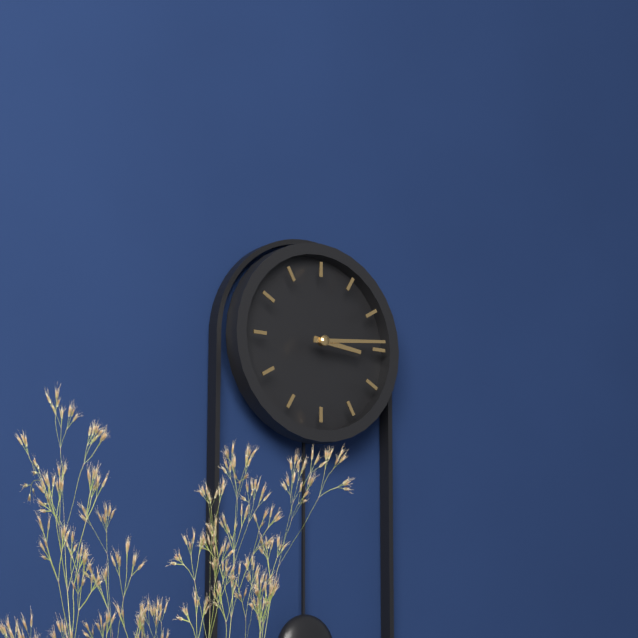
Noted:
3,14
